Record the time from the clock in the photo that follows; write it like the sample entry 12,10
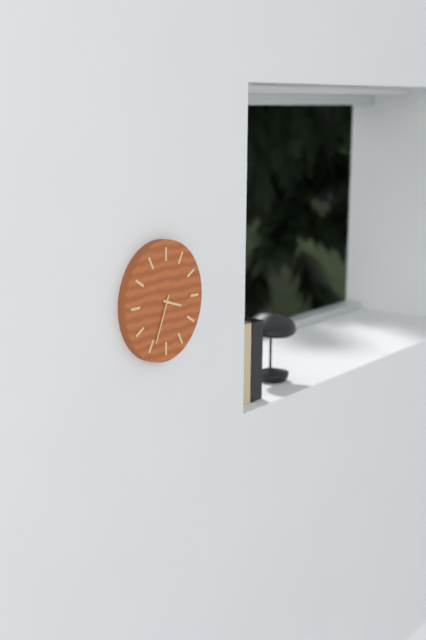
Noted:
3,34
